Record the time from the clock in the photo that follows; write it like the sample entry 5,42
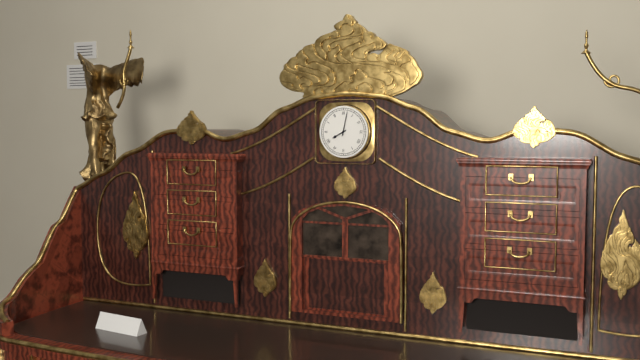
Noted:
8,02
